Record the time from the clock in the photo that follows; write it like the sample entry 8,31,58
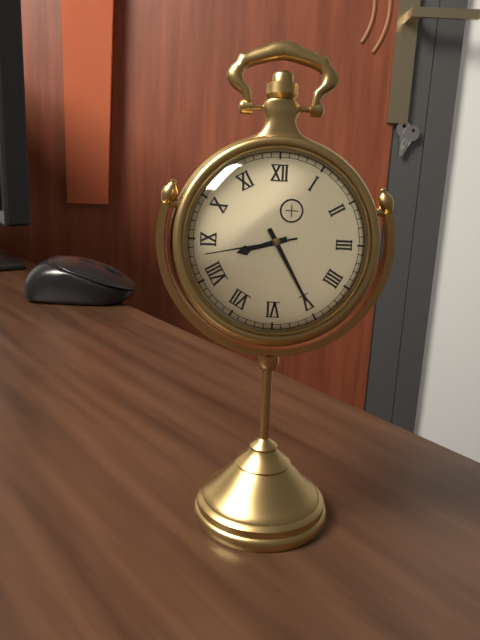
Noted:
8,25,43
